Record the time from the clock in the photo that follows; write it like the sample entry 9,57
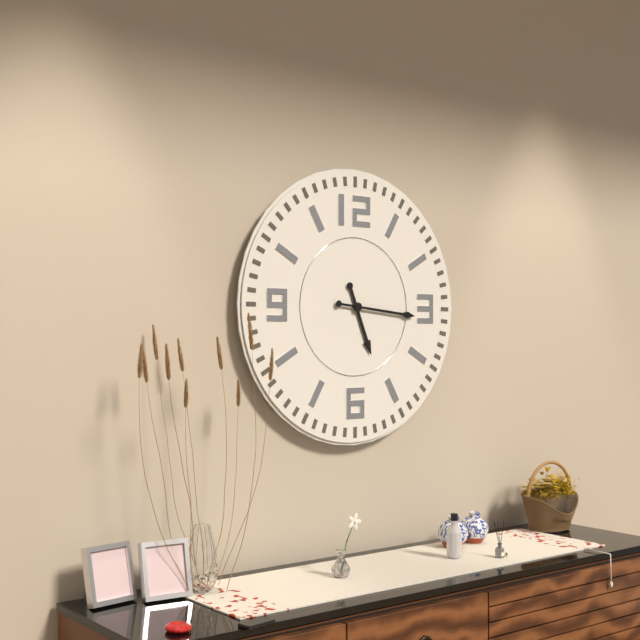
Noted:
5,16
